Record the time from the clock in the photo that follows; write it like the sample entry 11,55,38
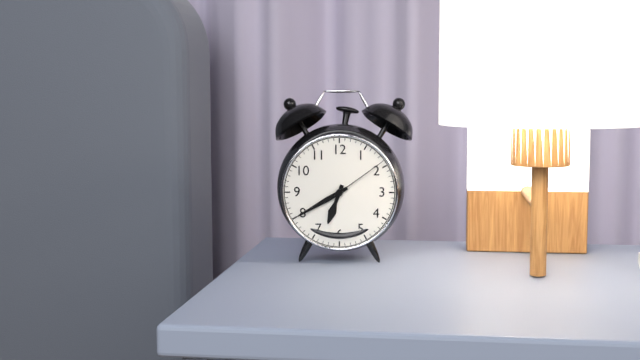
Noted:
6,40,09
